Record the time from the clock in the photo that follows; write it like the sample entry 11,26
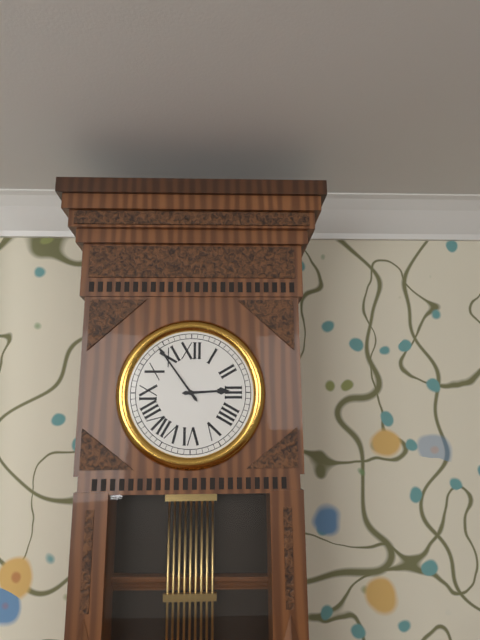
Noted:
2,54
